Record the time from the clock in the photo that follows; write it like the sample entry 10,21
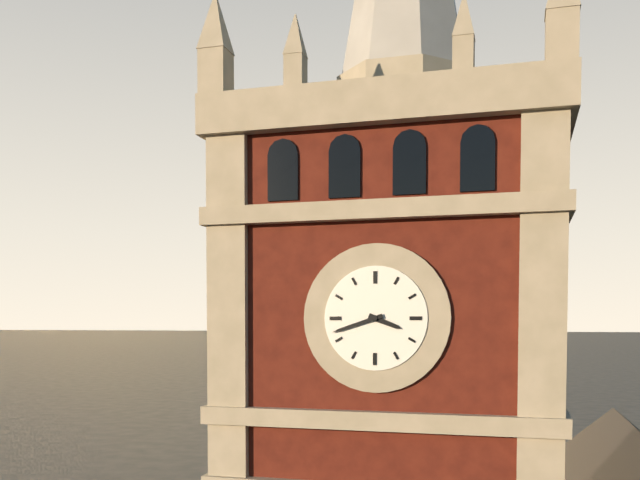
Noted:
3,42
